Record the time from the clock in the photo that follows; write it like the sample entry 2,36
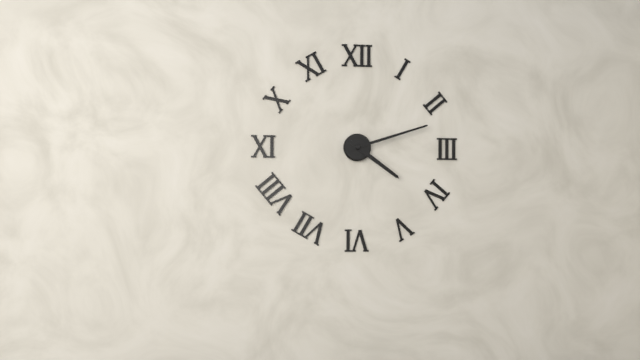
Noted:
4,12
